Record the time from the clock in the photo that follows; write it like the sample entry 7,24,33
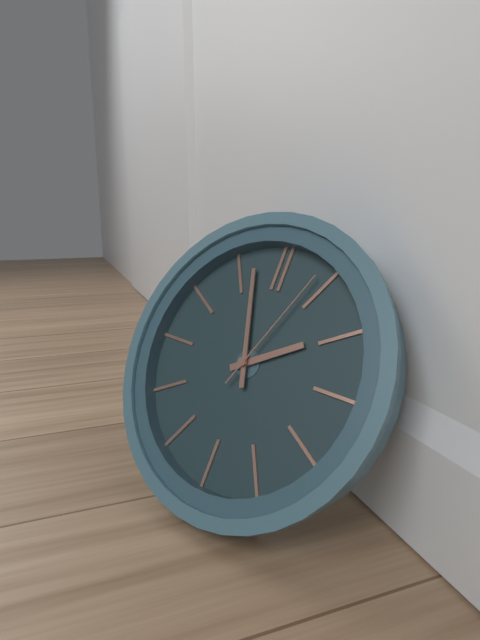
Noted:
1,57,04
